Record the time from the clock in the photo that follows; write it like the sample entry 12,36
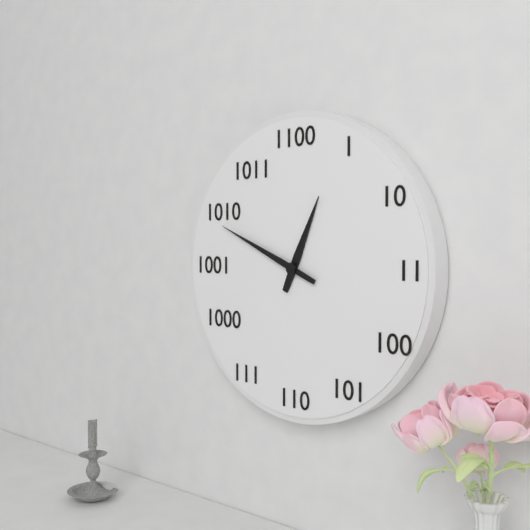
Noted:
12,49
